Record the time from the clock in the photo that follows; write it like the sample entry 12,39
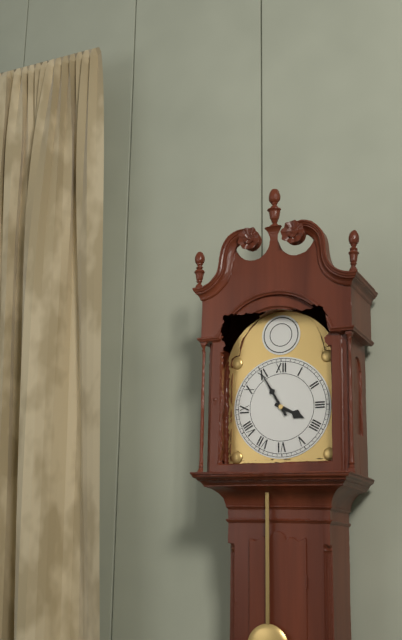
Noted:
3,55
